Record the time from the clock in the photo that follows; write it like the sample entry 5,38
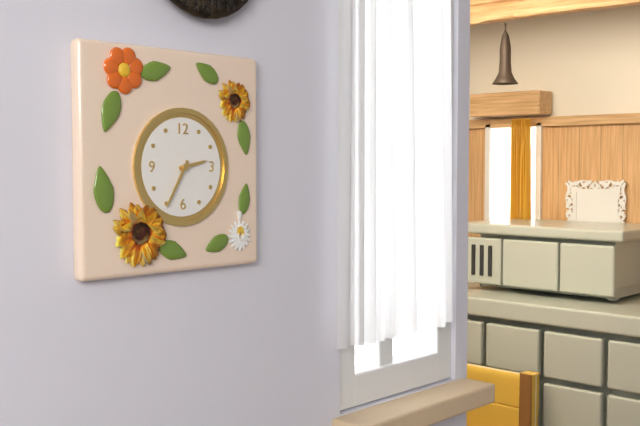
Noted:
2,35
